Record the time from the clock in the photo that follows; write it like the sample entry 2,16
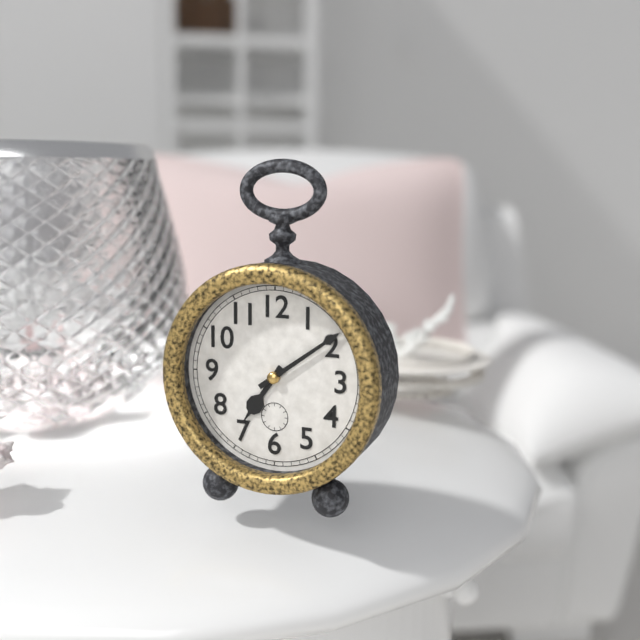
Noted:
7,09
